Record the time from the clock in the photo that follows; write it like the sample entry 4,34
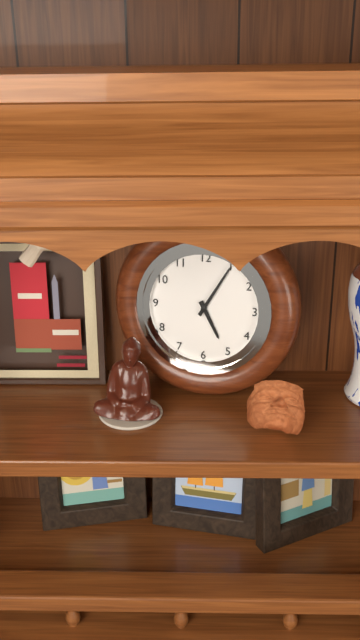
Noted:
5,05
